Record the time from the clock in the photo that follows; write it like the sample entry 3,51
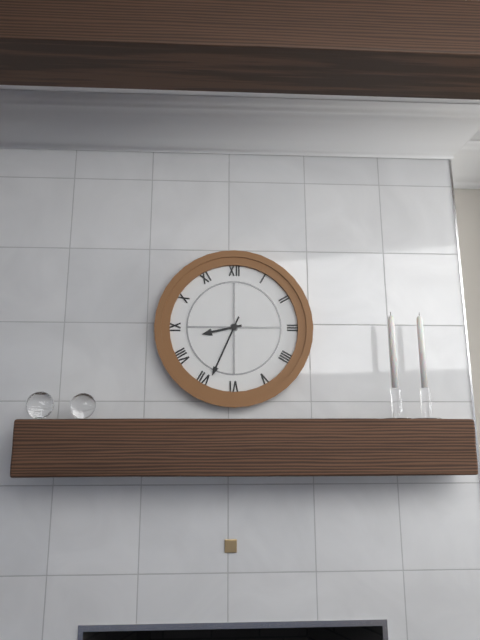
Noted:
8,34
